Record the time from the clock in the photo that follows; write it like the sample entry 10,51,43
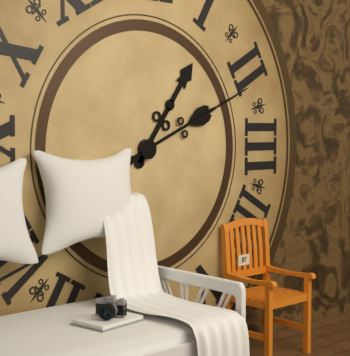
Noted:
1,11,11
